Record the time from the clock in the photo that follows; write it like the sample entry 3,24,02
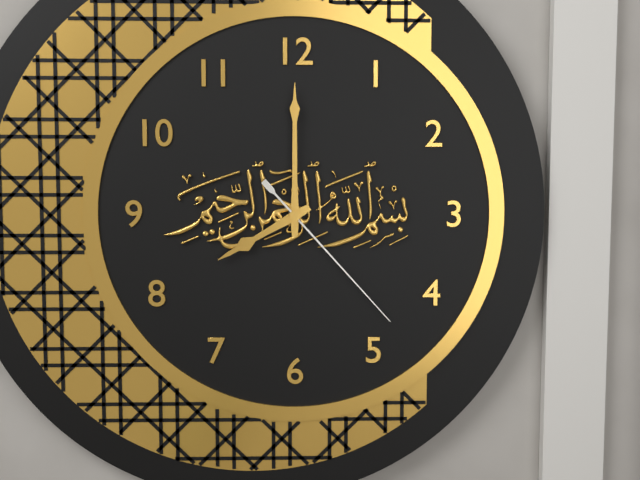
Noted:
8,00,23
